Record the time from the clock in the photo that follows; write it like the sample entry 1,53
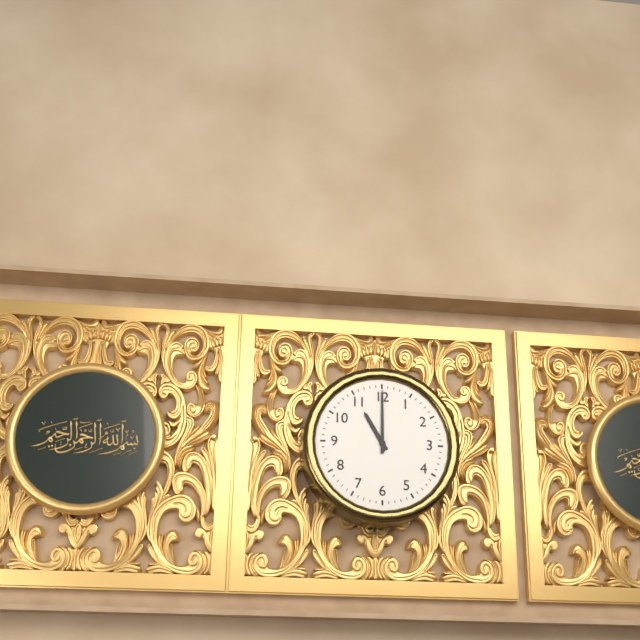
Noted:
11,00
